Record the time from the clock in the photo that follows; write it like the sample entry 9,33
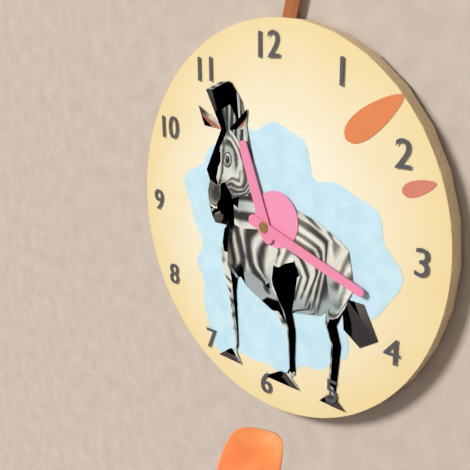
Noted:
11,18
